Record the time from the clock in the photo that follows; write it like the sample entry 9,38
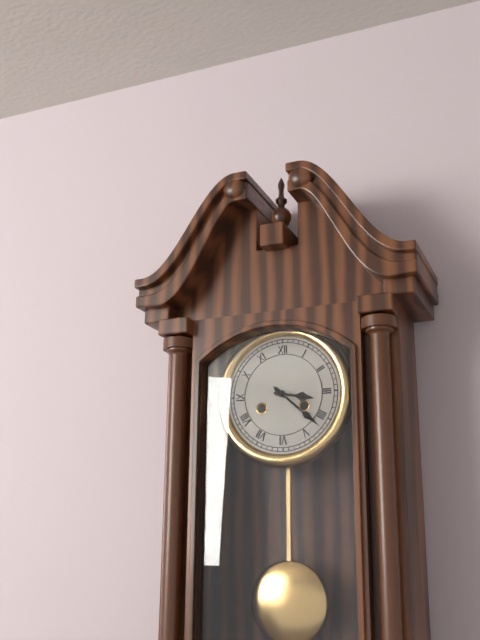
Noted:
3,22
